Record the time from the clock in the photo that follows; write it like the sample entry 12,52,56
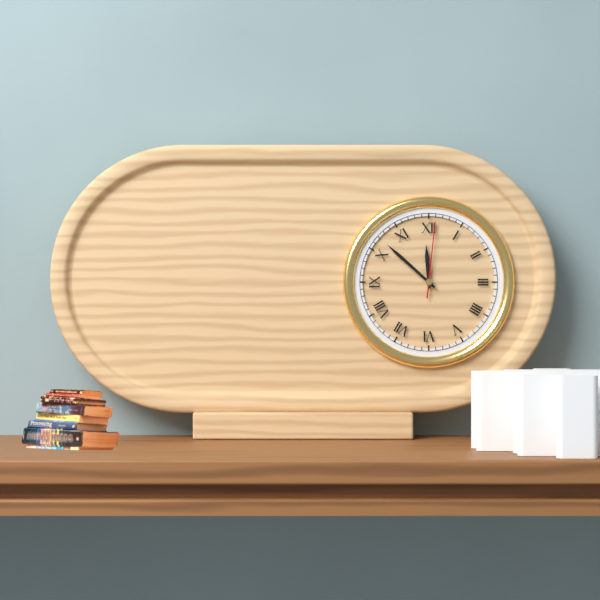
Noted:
11,52,01
